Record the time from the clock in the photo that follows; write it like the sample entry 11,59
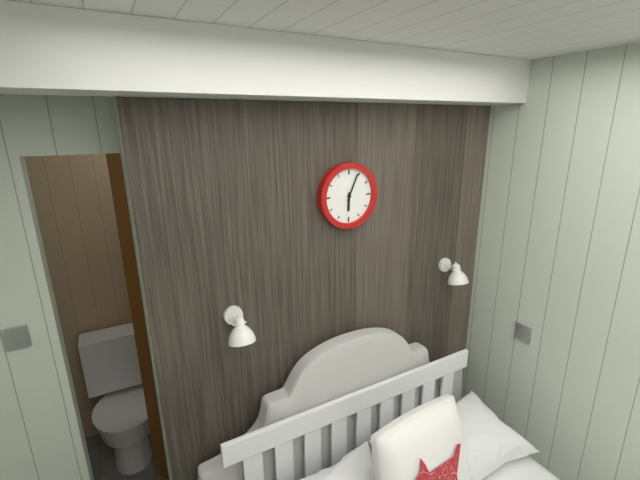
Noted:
6,04
